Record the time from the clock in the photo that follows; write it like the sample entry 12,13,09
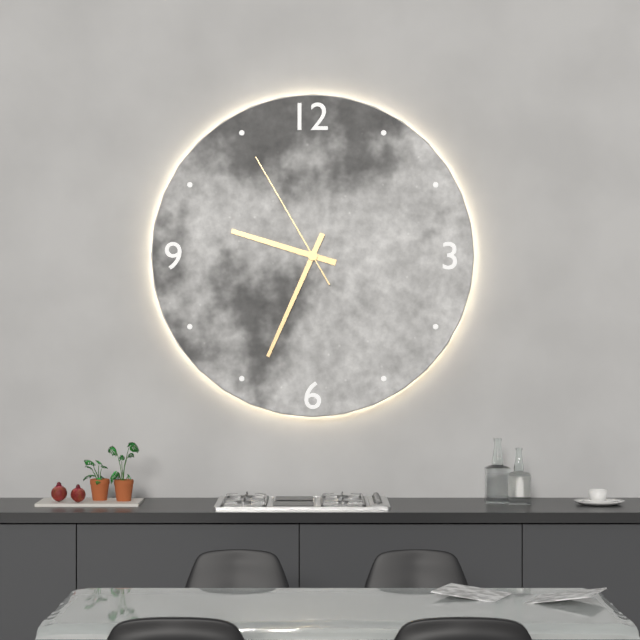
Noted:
9,34,55
